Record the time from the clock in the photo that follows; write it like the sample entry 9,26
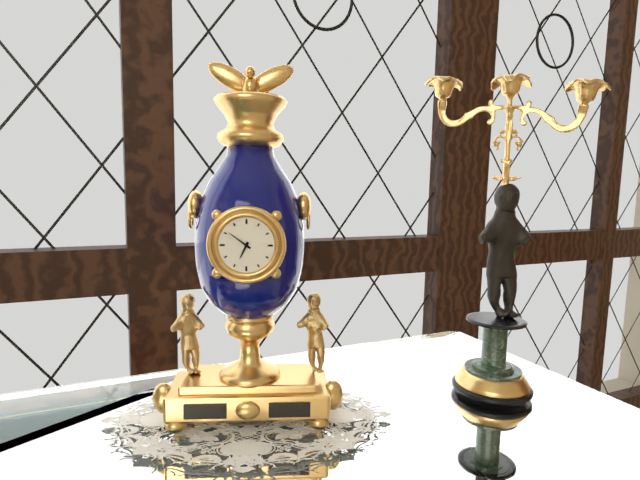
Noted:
6,51
